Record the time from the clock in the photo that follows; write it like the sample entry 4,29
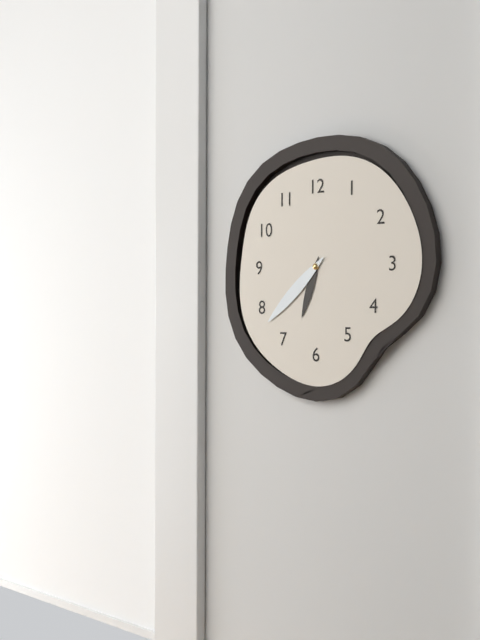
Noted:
6,38
